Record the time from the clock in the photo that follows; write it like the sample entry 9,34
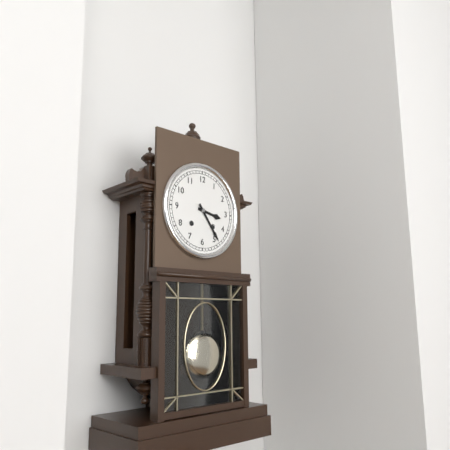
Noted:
3,24
